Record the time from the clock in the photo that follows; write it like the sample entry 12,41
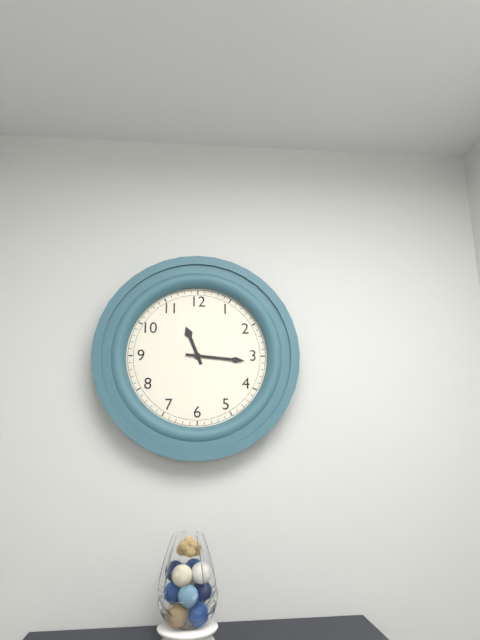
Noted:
11,16
